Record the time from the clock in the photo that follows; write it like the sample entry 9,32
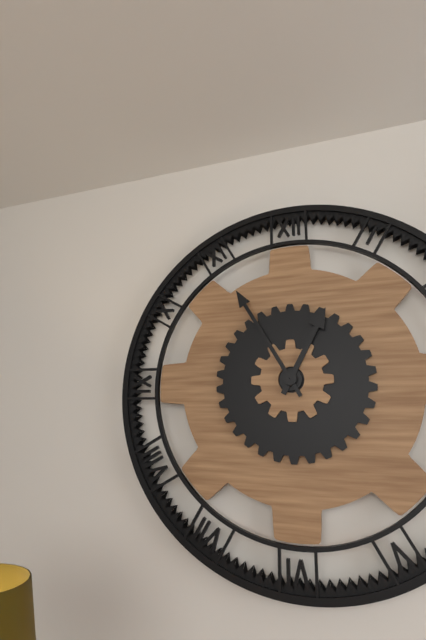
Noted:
12,55
